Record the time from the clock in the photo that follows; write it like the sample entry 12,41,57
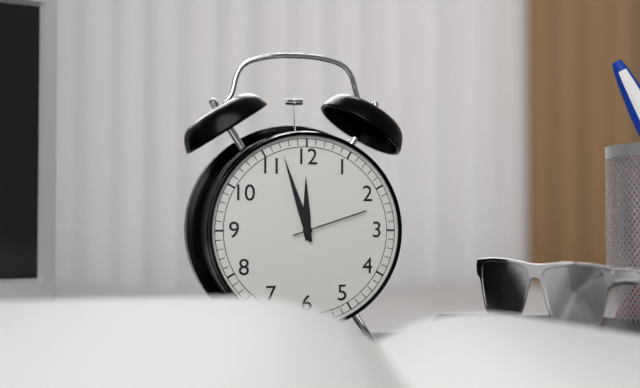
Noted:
11,57,12
